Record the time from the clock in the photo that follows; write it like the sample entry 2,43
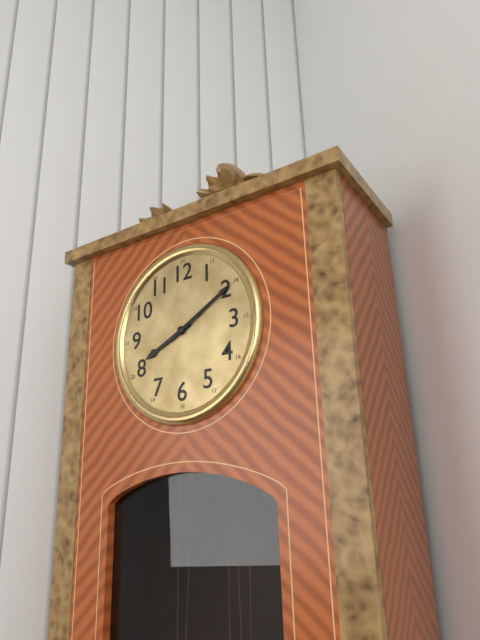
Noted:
8,10
